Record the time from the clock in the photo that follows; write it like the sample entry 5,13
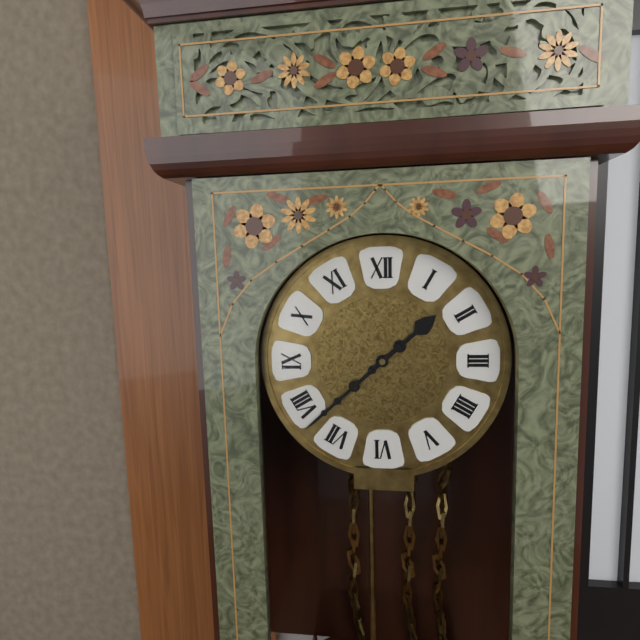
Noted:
1,38
